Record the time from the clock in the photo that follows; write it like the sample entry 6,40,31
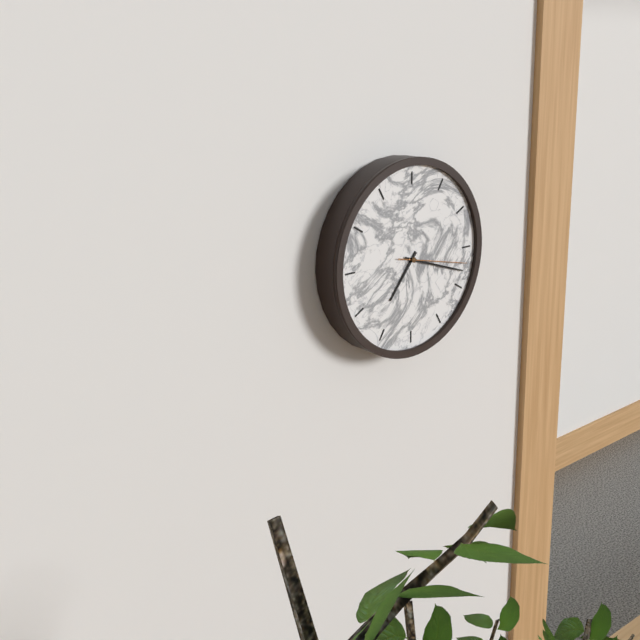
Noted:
7,18,17
